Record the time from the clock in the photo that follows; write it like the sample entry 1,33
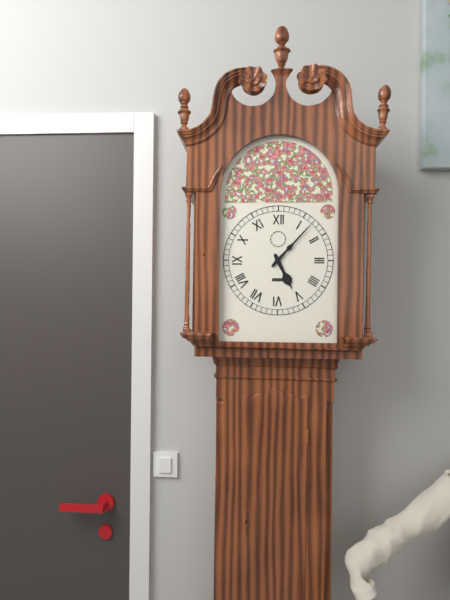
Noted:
5,07
